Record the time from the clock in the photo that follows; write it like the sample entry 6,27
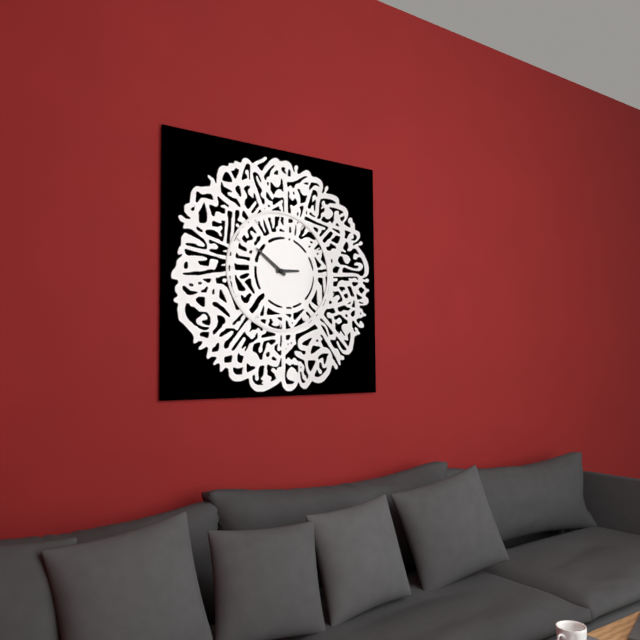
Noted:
2,51
